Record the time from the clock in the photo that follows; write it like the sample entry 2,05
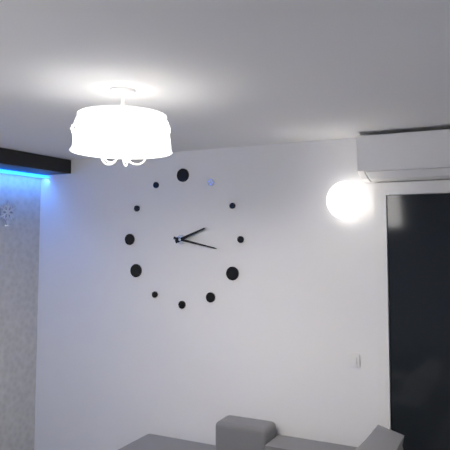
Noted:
2,17
